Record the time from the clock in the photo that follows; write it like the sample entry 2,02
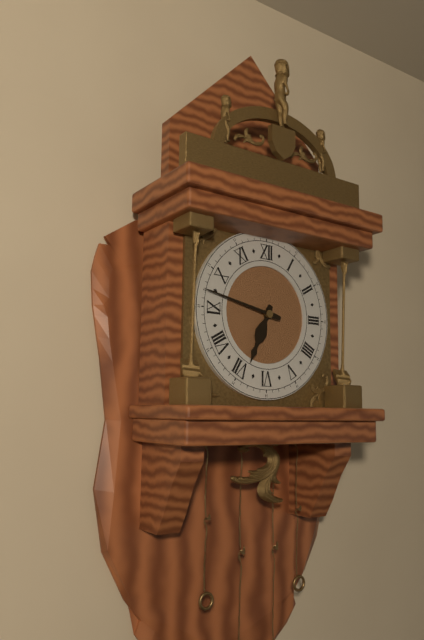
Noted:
6,47
